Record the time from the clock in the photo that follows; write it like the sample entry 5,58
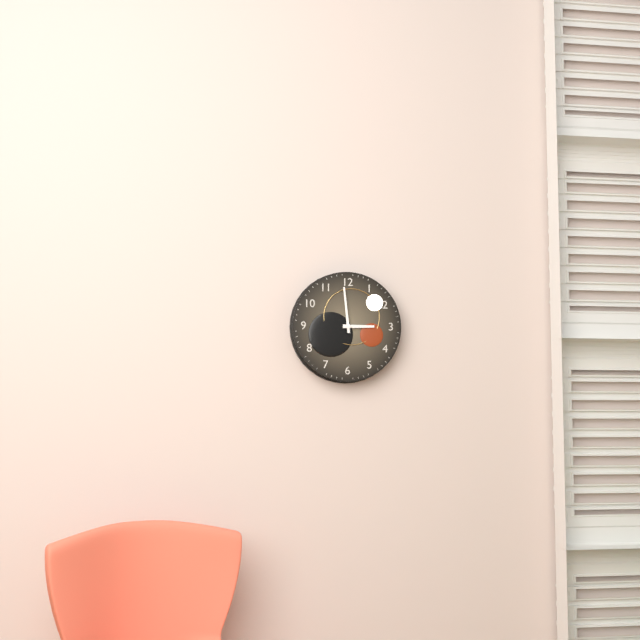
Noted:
2,59
